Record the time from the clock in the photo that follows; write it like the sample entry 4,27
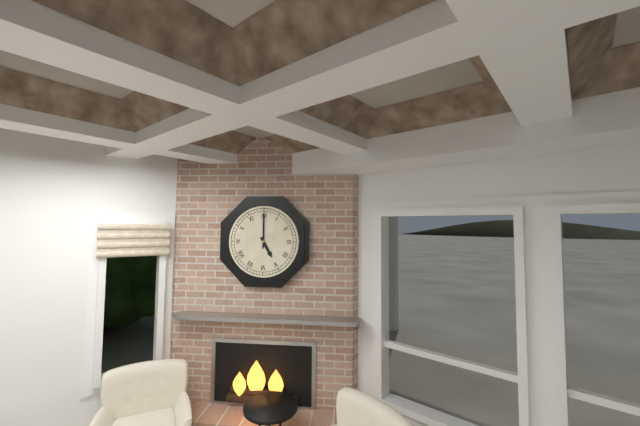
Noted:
5,00
